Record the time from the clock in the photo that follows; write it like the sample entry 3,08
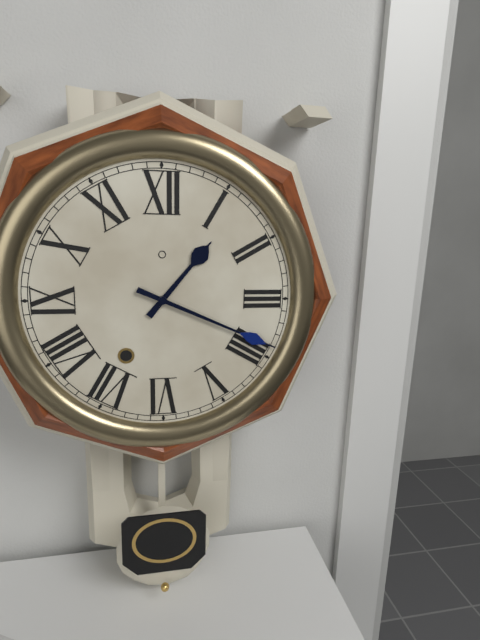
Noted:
1,19
